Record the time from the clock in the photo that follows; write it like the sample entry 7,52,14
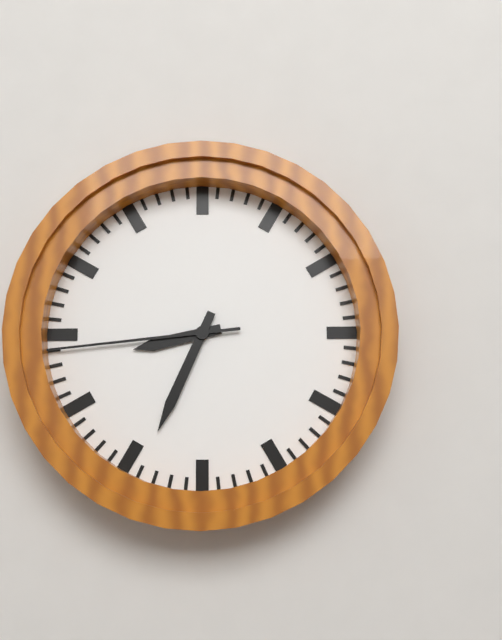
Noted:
8,34,44
